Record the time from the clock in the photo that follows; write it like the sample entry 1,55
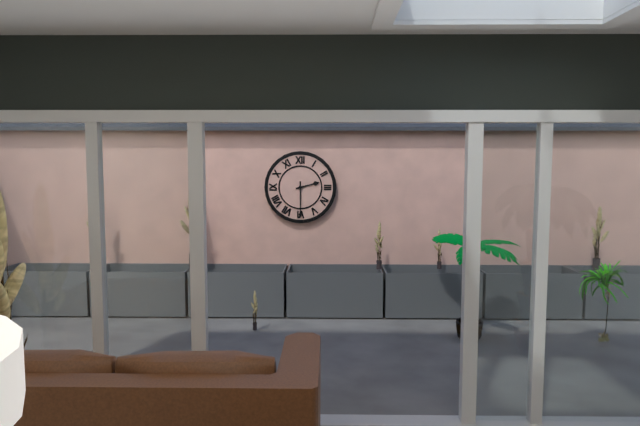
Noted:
2,30
